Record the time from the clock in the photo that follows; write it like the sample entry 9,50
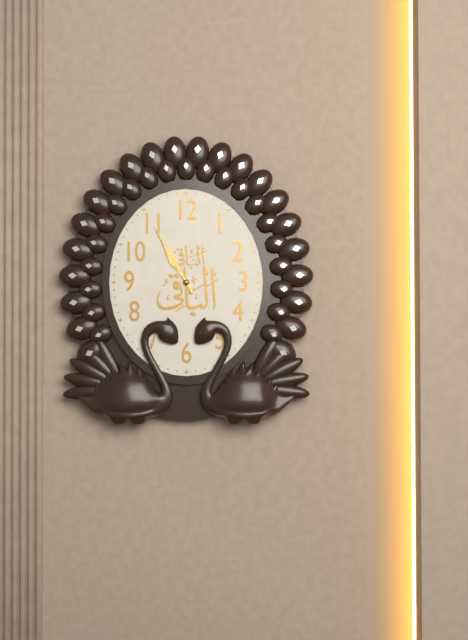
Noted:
10,55
